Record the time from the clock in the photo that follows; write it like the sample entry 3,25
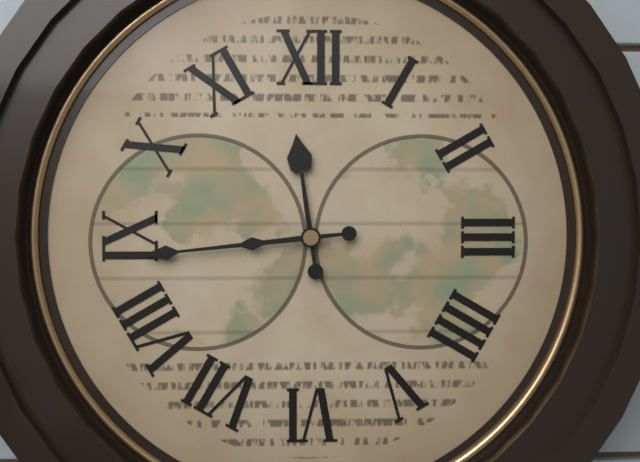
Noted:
11,44
